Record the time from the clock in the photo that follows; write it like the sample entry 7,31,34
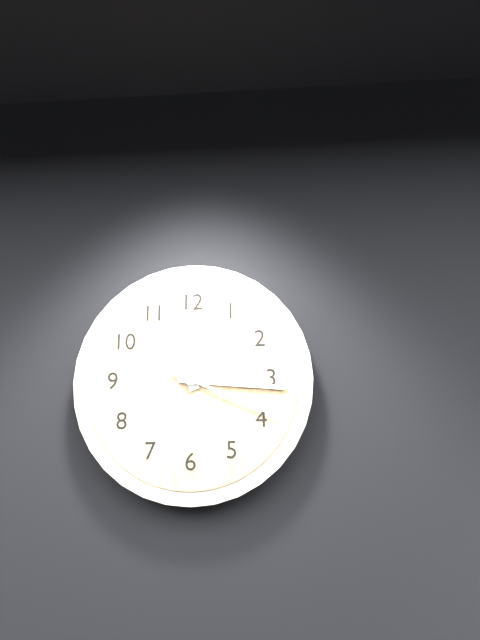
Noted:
11,16,19
